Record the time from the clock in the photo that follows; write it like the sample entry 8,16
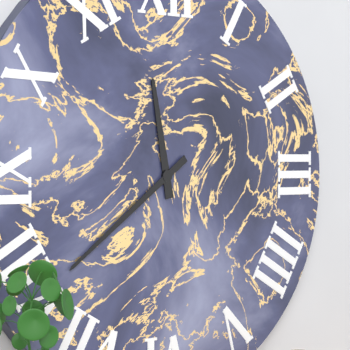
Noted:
11,39
